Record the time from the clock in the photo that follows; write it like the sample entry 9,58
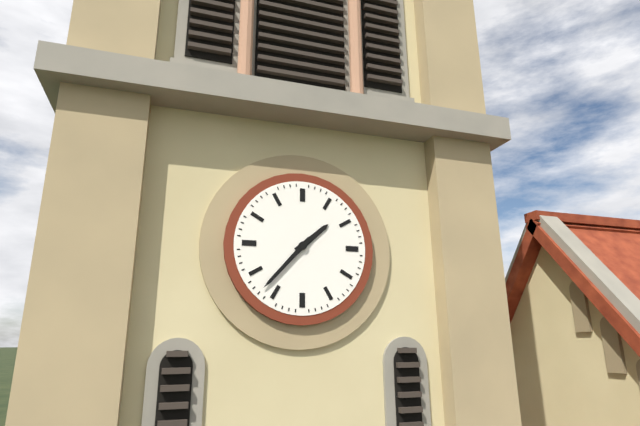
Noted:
1,37
